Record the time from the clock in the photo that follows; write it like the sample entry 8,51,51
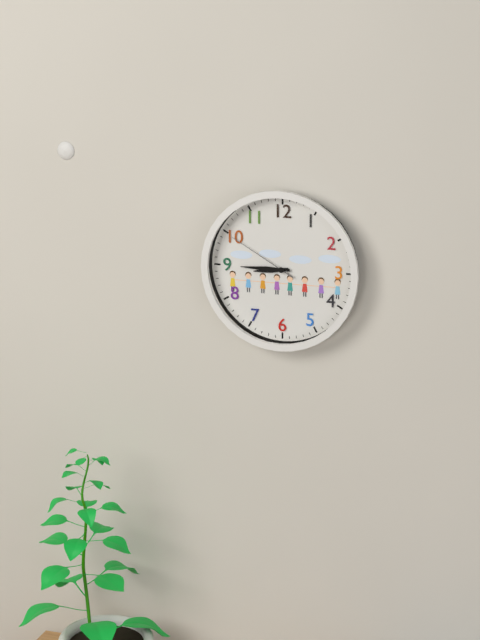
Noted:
8,45,50
